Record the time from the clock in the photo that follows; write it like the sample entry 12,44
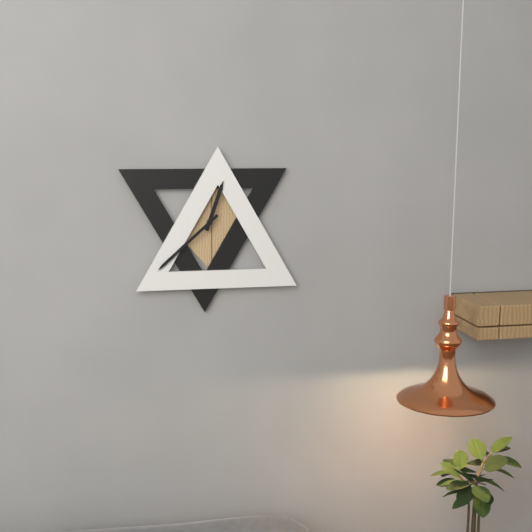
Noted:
12,38
